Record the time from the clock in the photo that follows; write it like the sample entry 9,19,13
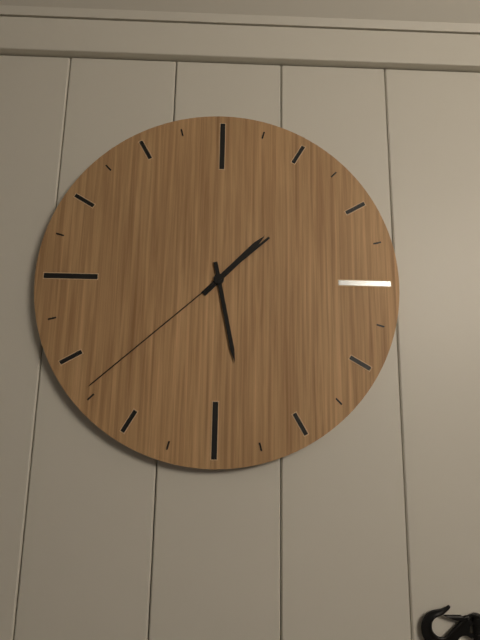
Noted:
1,28,38
